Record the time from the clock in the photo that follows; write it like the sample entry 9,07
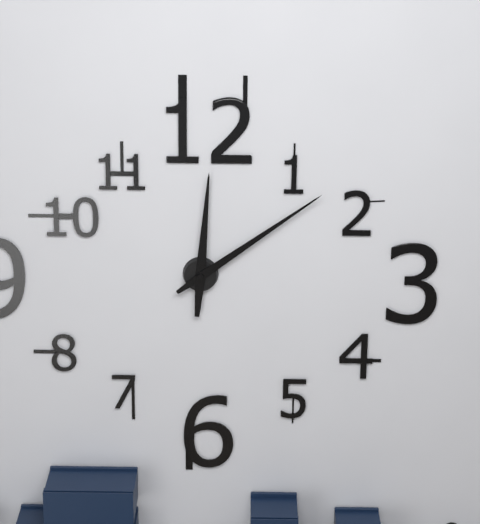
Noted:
12,09
